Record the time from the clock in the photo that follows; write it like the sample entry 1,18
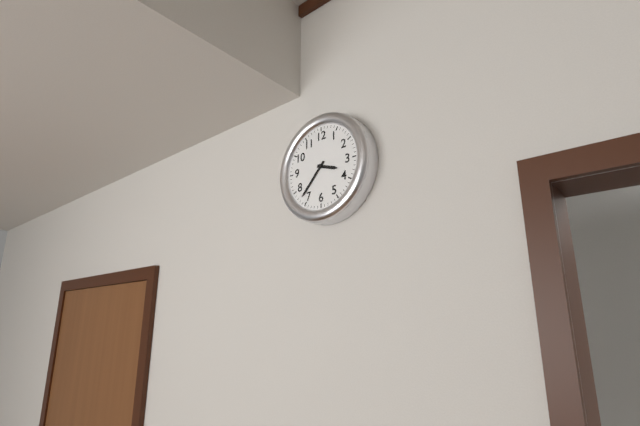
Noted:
3,37
